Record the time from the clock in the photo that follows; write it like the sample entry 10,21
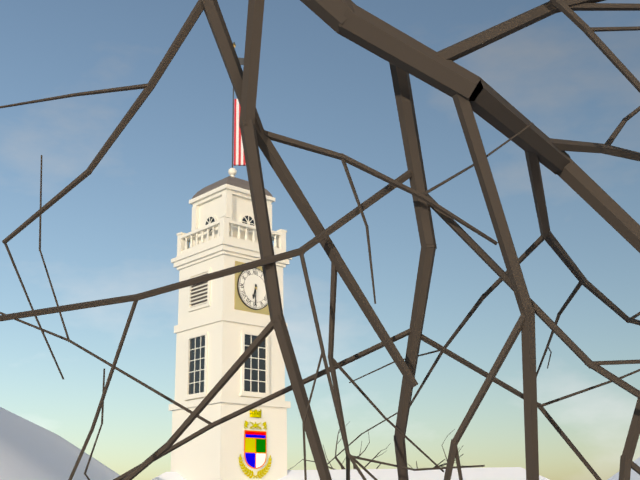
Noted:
6,30
